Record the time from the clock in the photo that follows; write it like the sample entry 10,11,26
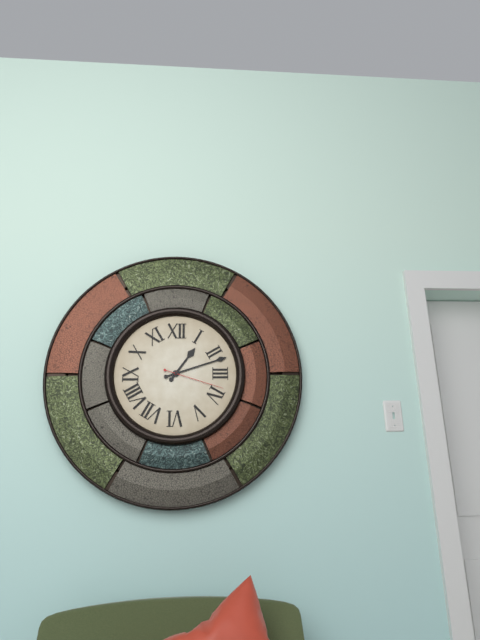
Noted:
1,12,18
